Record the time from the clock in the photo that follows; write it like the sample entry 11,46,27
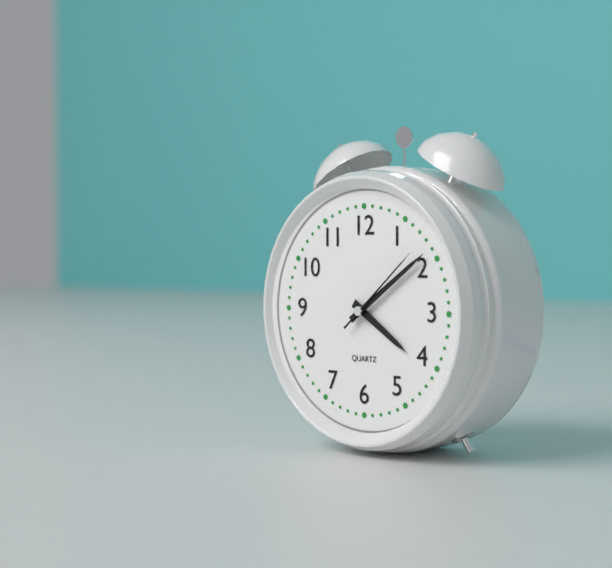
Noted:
4,09,08
